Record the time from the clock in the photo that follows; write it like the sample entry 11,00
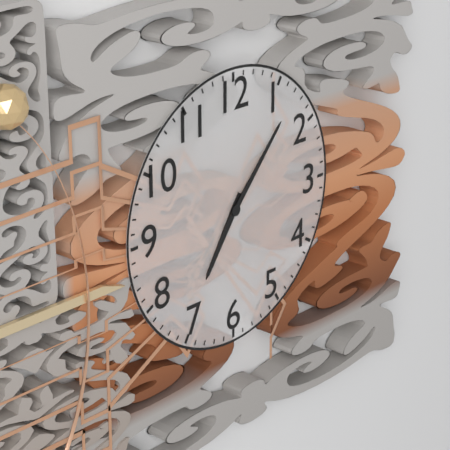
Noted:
7,07
